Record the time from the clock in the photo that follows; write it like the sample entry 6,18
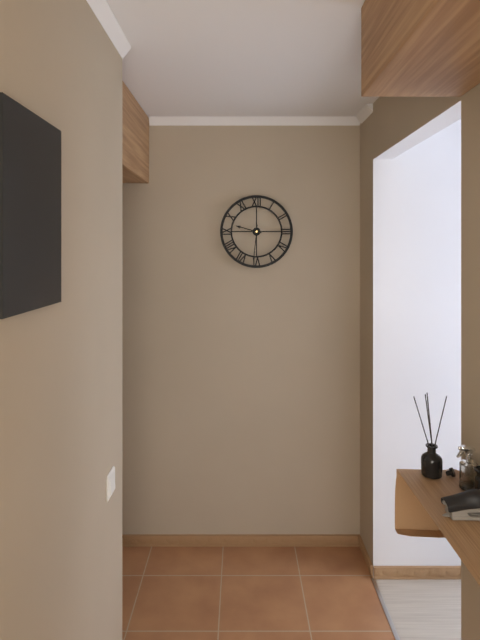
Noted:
9,31
